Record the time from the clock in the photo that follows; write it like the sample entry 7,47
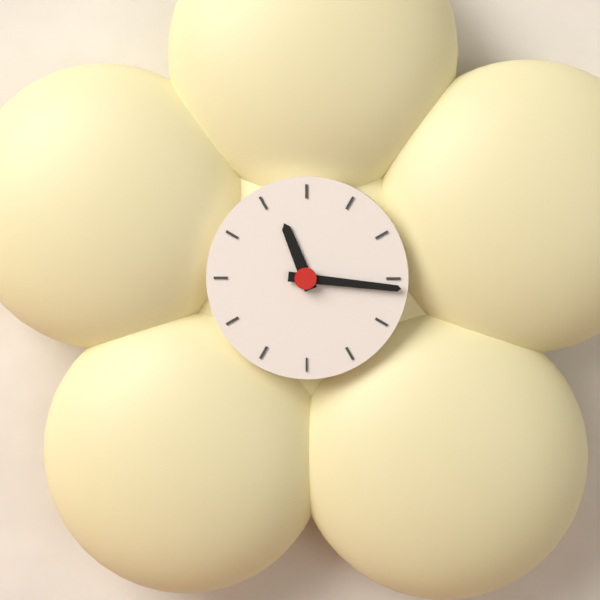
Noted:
11,16
